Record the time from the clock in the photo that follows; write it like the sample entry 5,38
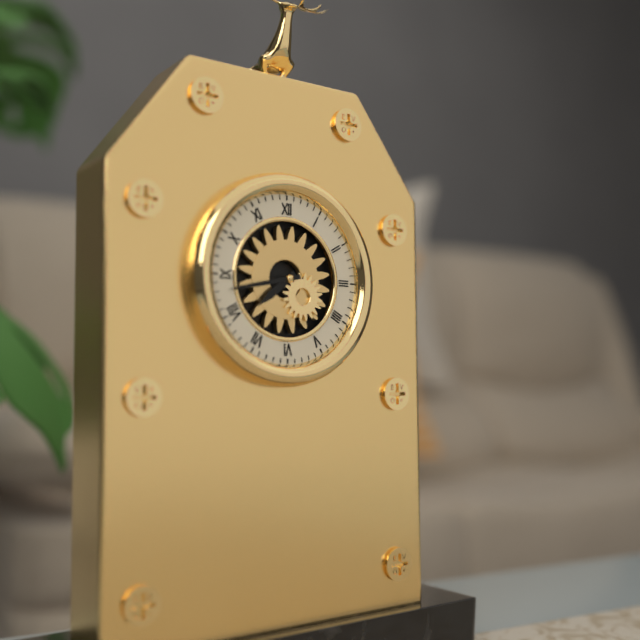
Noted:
7,43
